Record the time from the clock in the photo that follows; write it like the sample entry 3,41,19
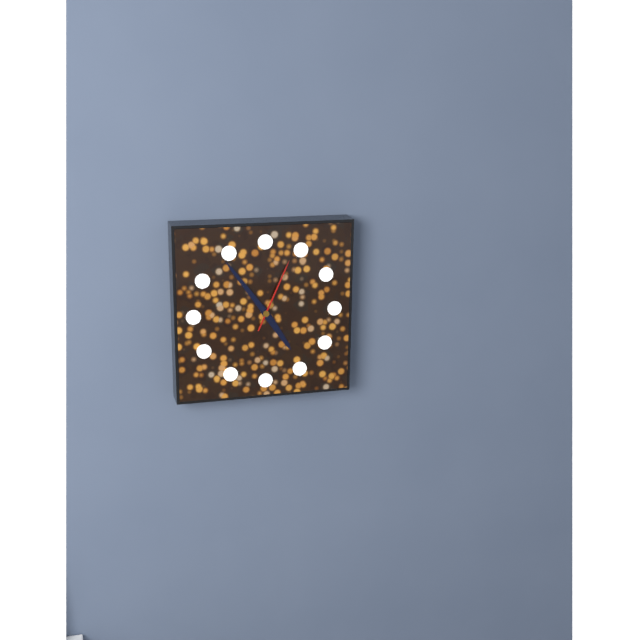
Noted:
4,54,04
